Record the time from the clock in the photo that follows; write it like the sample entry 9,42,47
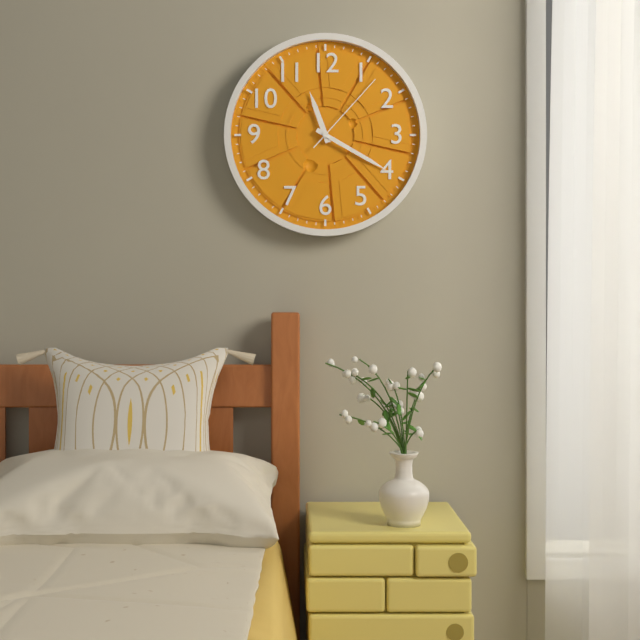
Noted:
11,20,07
